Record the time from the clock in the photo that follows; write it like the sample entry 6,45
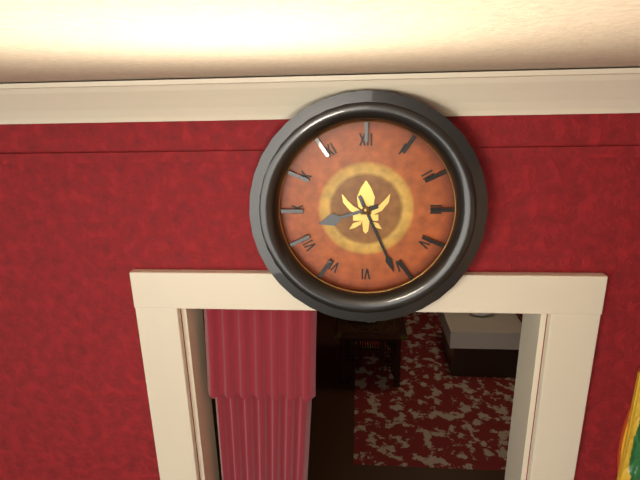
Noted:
8,26
